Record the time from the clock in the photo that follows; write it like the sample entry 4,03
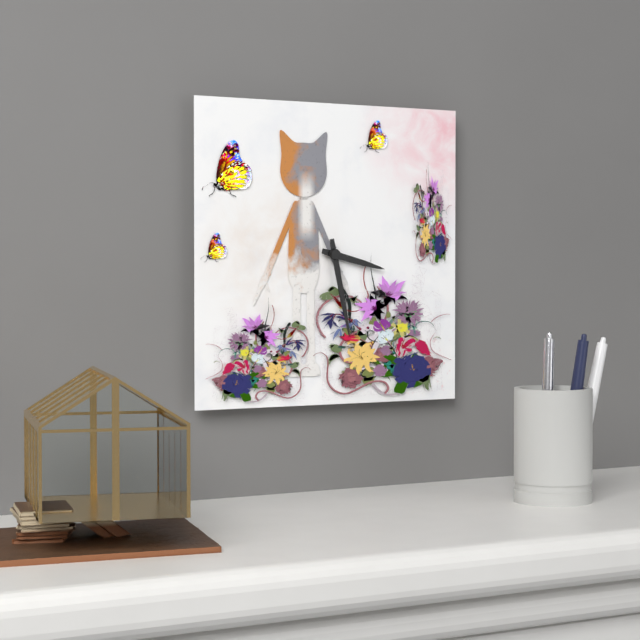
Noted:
3,28
